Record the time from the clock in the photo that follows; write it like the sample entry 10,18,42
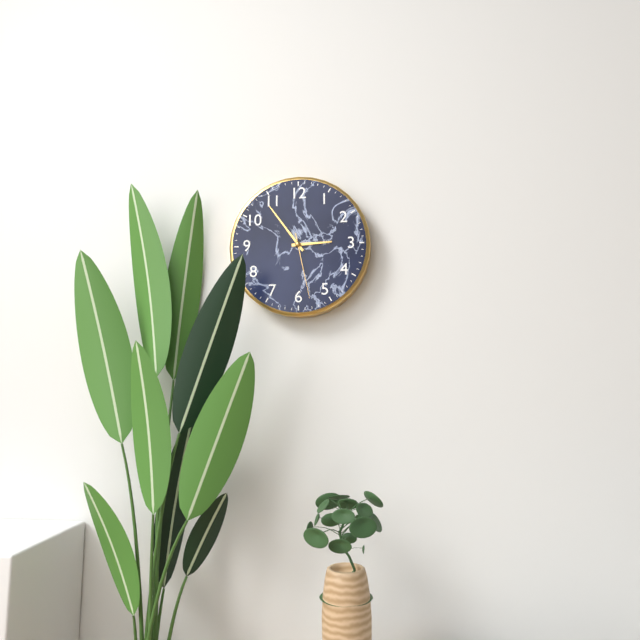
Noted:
2,54,28
